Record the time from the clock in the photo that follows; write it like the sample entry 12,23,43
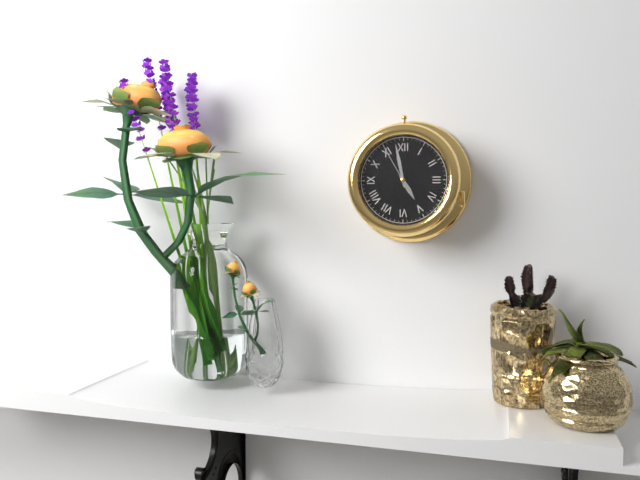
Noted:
4,58,55
